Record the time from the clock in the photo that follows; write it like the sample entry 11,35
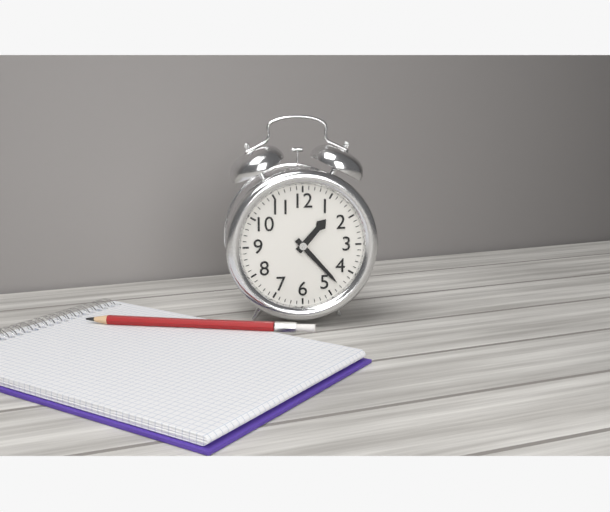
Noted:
1,23
